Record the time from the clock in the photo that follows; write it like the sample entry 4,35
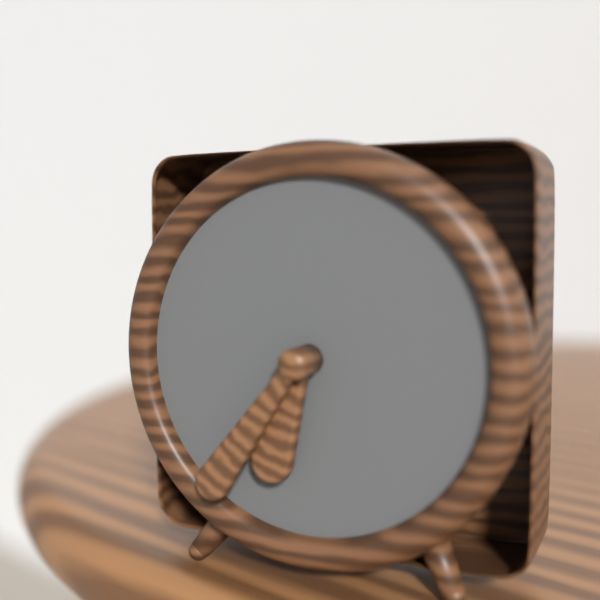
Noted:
6,36
